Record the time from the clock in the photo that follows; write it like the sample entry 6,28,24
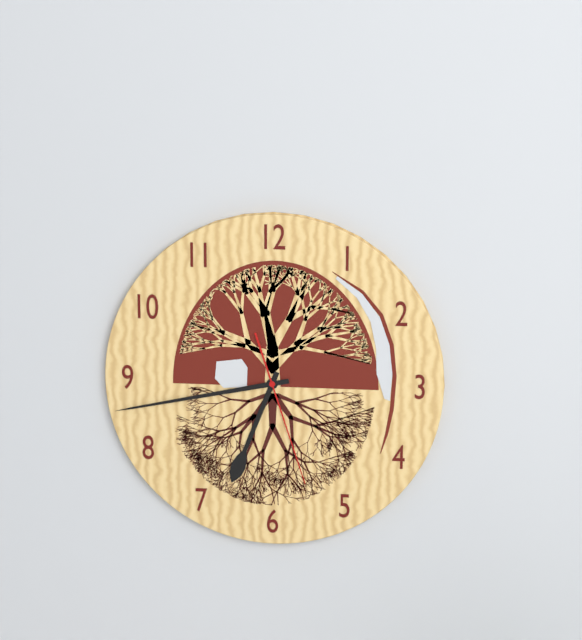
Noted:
6,43,27
